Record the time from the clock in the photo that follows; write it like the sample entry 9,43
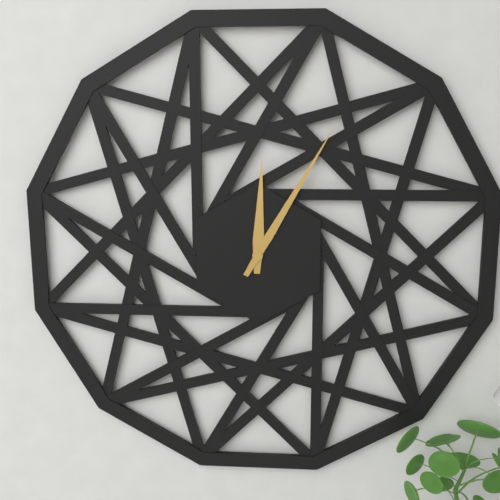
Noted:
12,05
